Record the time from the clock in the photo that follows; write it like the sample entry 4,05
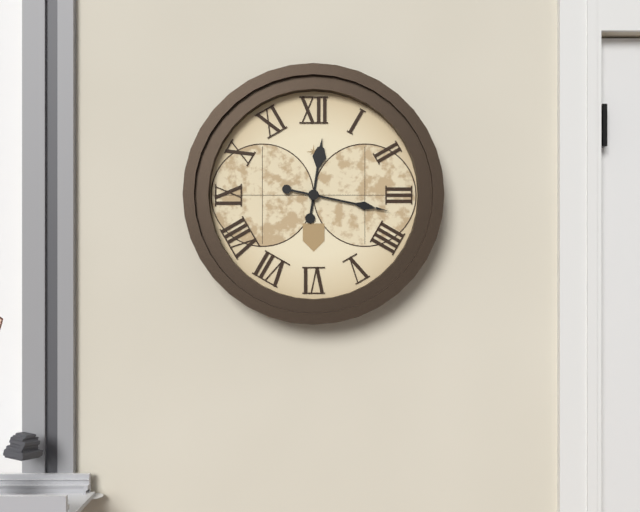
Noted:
12,17
